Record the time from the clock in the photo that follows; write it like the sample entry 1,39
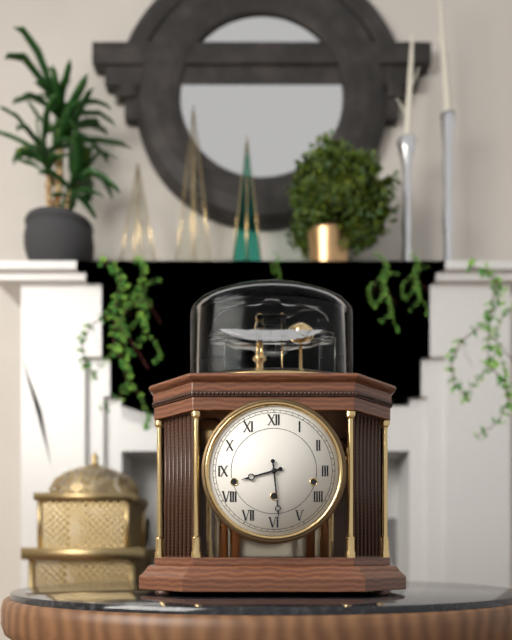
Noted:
8,29
